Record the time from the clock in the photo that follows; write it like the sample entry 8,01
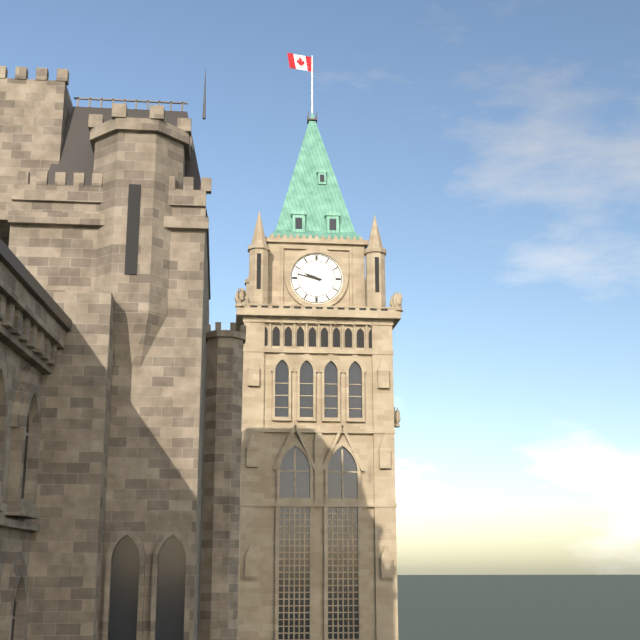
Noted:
9,47
